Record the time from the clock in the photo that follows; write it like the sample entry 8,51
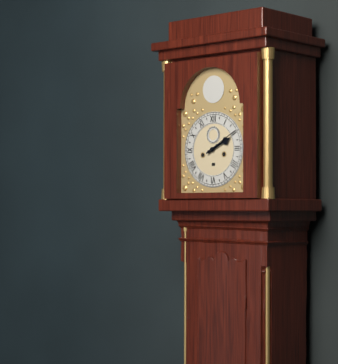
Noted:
2,10
